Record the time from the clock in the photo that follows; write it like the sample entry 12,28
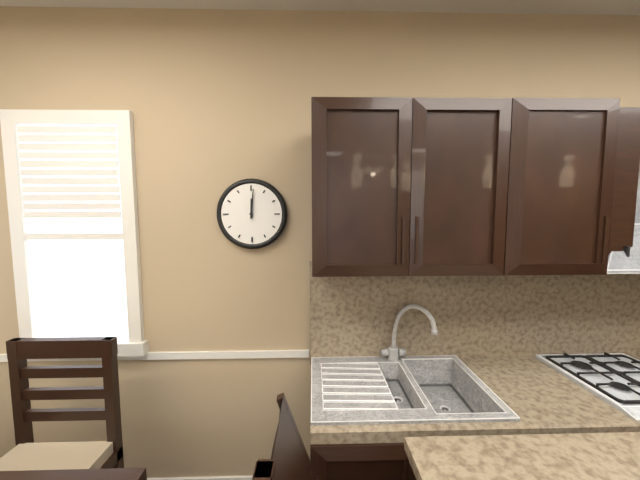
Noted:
12,01
